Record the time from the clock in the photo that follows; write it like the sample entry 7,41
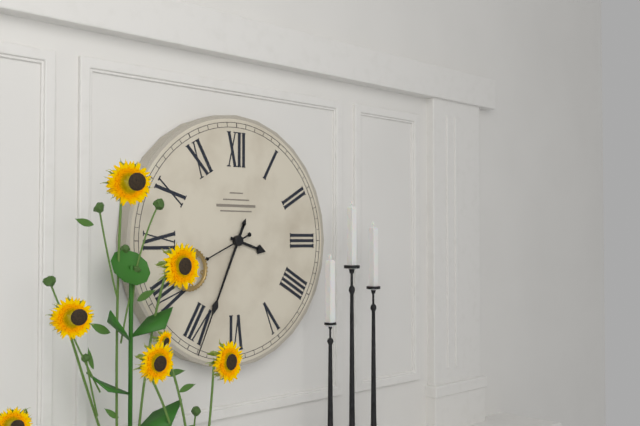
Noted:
3,34
